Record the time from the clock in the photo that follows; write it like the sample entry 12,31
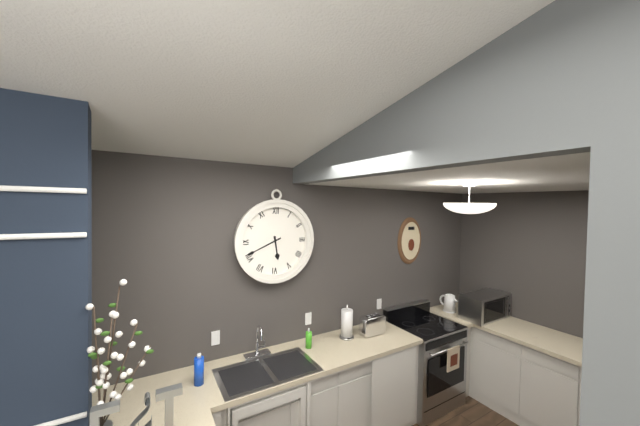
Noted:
5,41
